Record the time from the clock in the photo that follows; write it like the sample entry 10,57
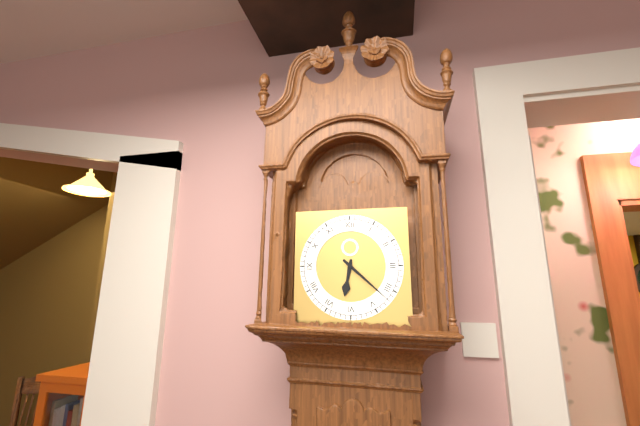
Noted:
6,22
